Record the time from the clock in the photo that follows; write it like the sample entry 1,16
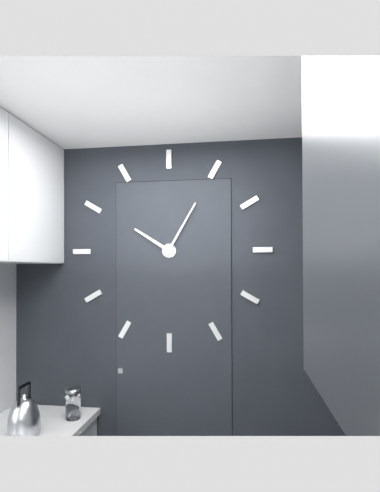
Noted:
10,05
